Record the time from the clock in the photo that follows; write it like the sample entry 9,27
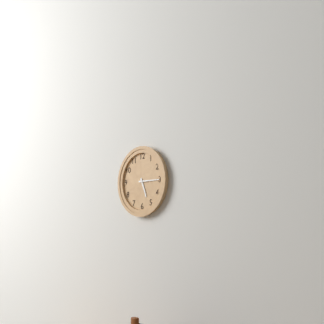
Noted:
5,15
